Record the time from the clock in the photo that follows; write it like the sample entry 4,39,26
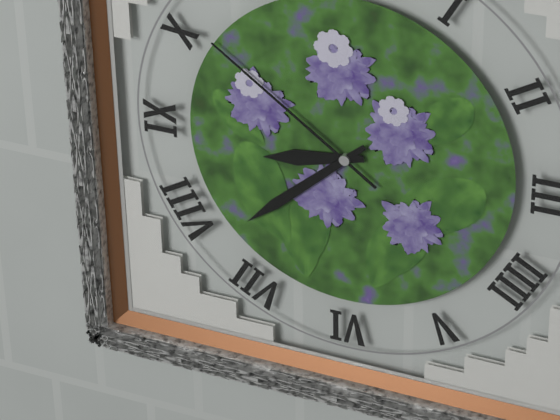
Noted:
8,38,51
